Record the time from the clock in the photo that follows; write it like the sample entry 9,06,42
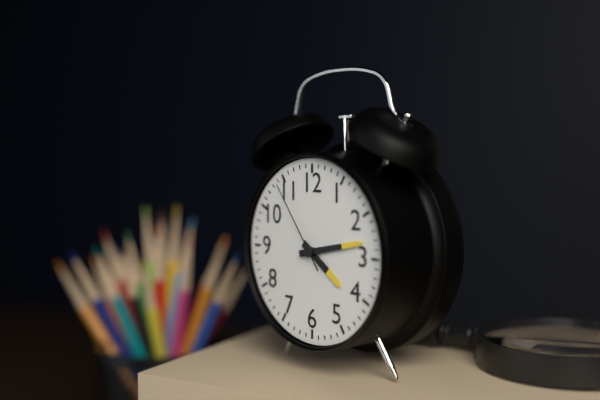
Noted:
4,13,54
